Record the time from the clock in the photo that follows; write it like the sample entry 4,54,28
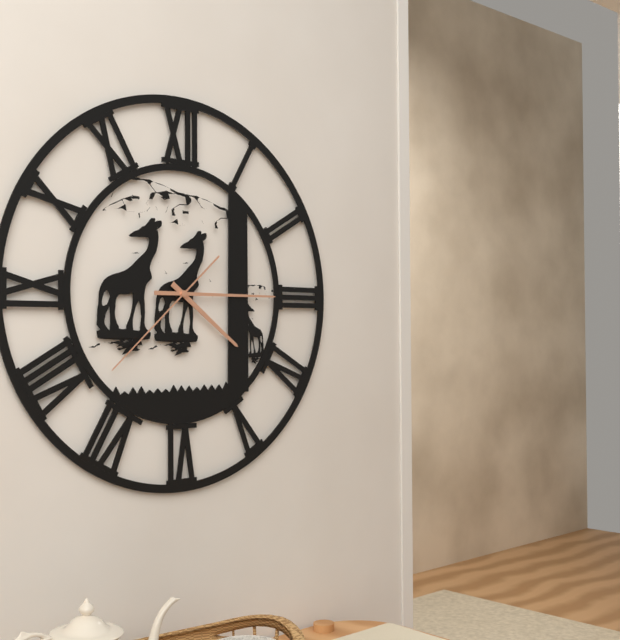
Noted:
4,15,38
